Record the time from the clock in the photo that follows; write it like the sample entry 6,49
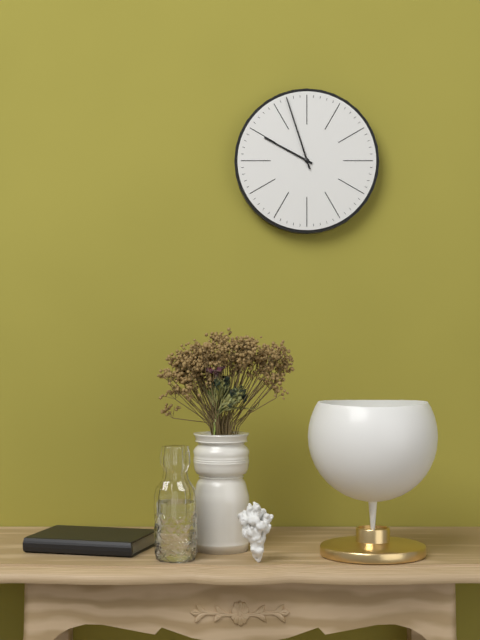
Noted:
9,57
